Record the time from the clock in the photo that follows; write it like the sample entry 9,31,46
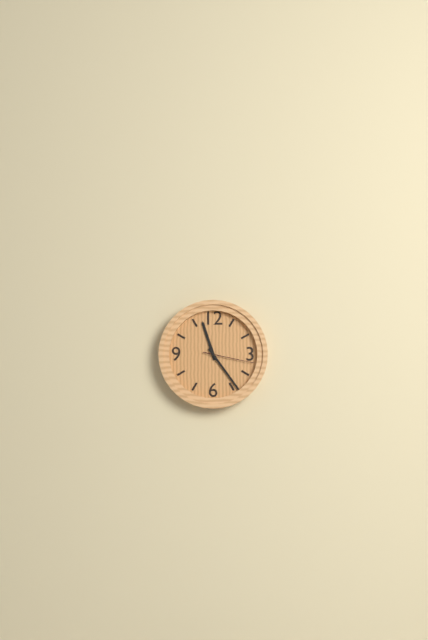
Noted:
11,24,17
